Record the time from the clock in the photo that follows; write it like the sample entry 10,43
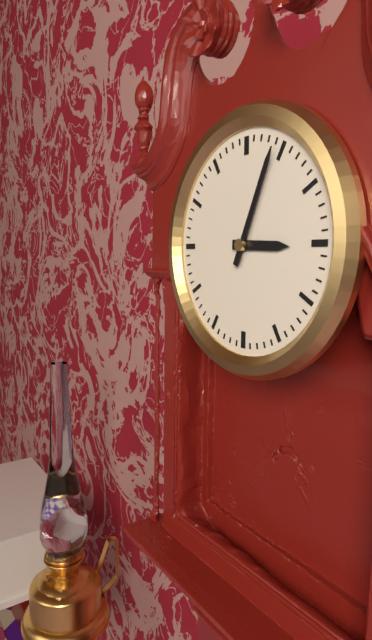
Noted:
3,04
